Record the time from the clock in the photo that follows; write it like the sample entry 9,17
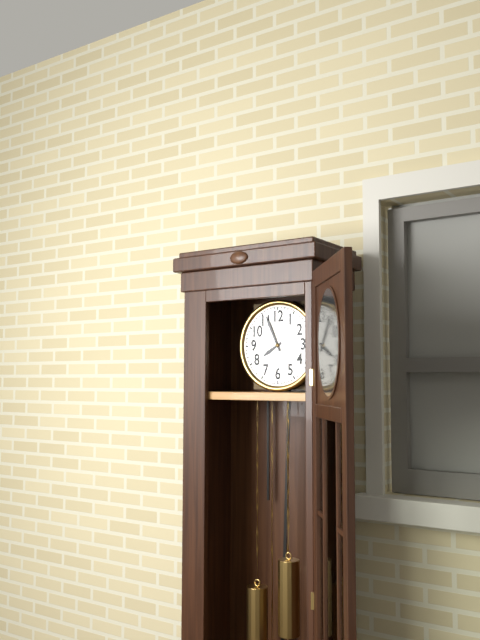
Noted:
7,56
